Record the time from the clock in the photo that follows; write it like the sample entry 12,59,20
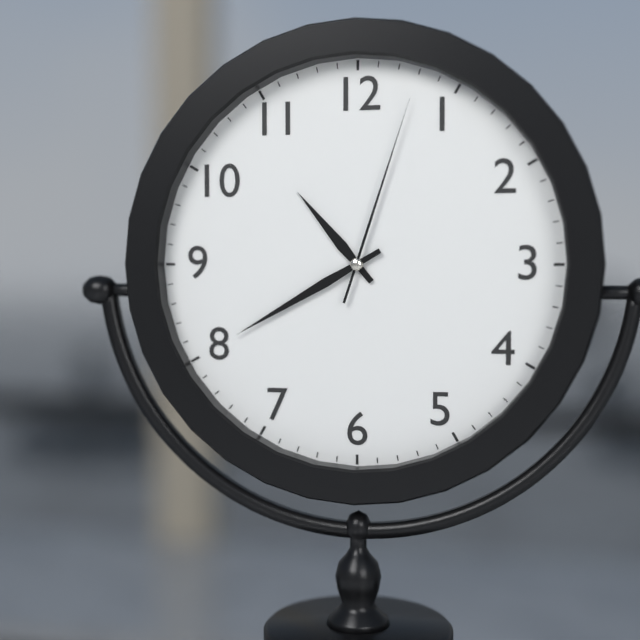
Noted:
10,40,03
